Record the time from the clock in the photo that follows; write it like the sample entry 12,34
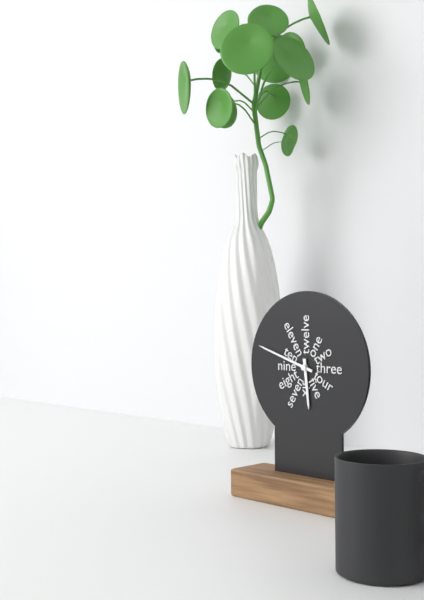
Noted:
5,48
